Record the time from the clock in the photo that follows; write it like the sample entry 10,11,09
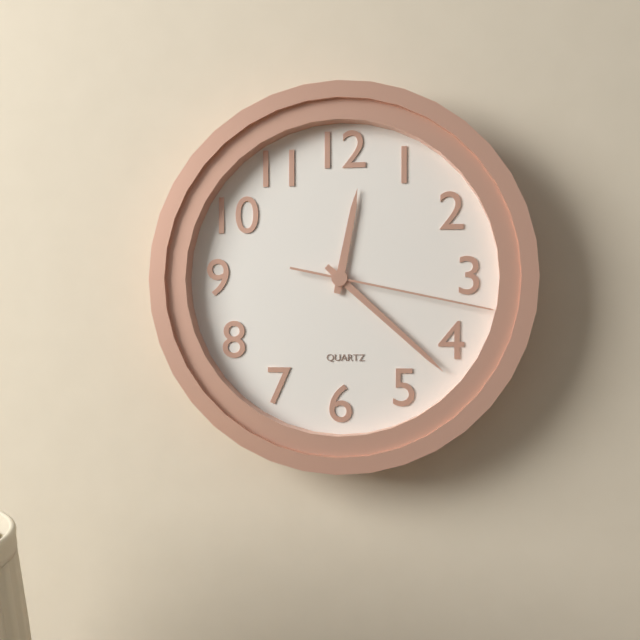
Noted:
12,22,17
